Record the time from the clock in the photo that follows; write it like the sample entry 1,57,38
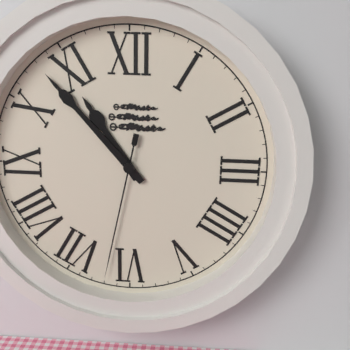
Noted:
10,53,32
